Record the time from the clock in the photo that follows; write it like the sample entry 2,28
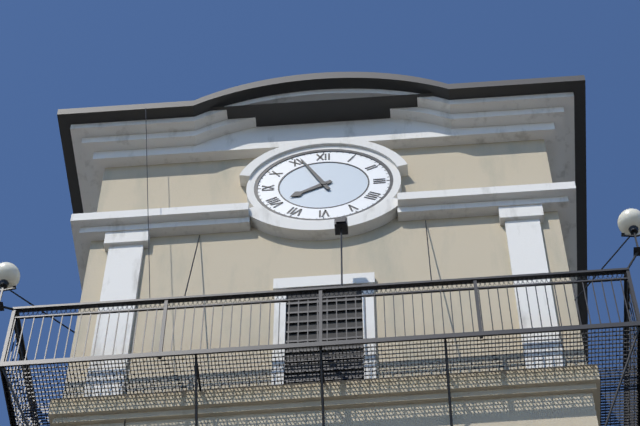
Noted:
7,56
